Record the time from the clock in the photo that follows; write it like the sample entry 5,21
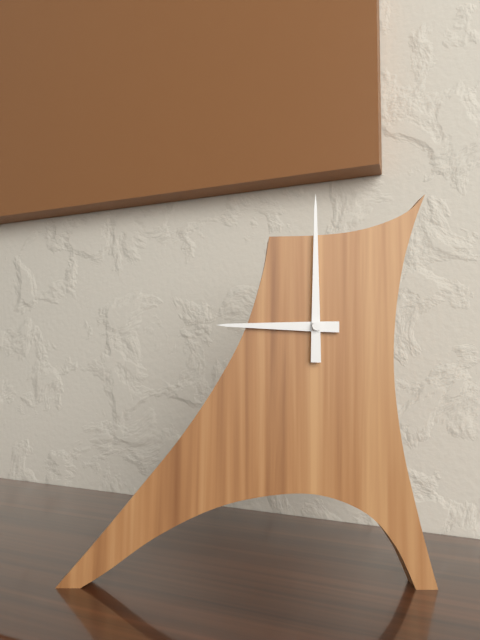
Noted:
9,00
